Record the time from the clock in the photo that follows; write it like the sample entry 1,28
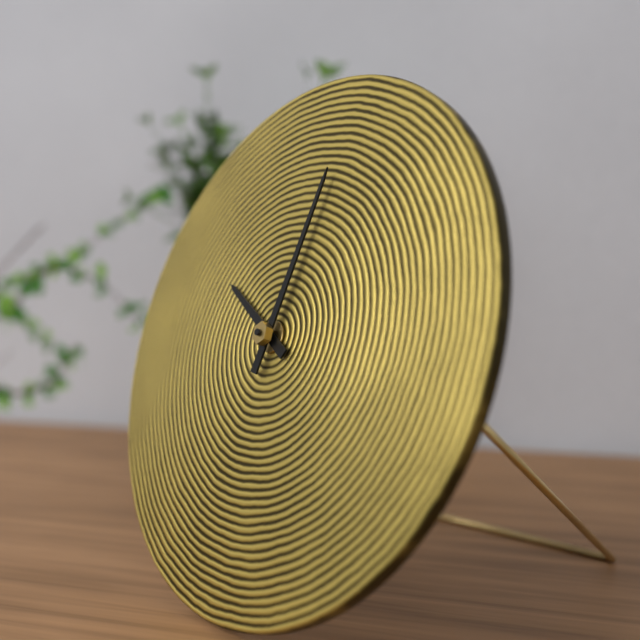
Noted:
10,02
